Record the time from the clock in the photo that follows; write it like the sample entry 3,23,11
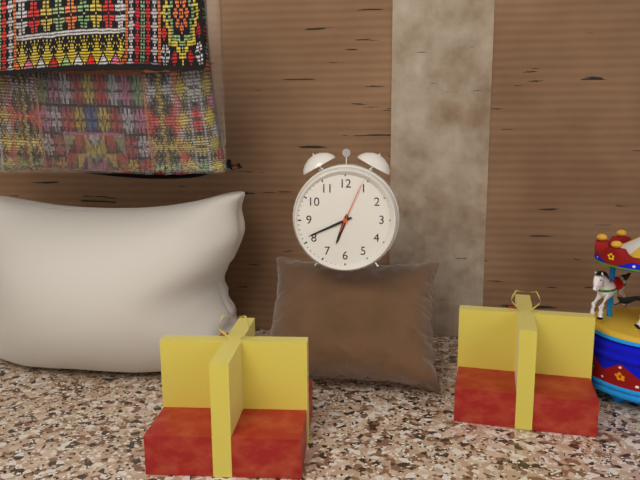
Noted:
6,41,04
